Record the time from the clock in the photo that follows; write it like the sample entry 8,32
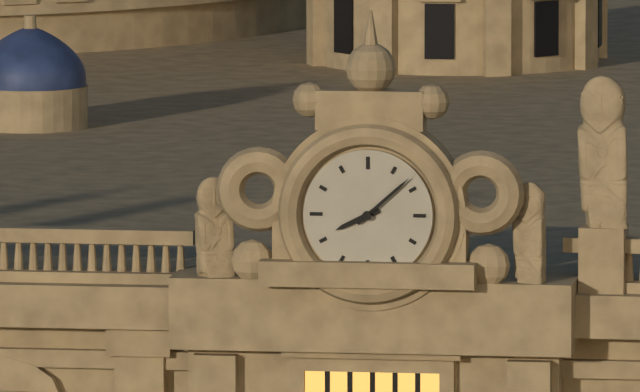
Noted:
8,08
